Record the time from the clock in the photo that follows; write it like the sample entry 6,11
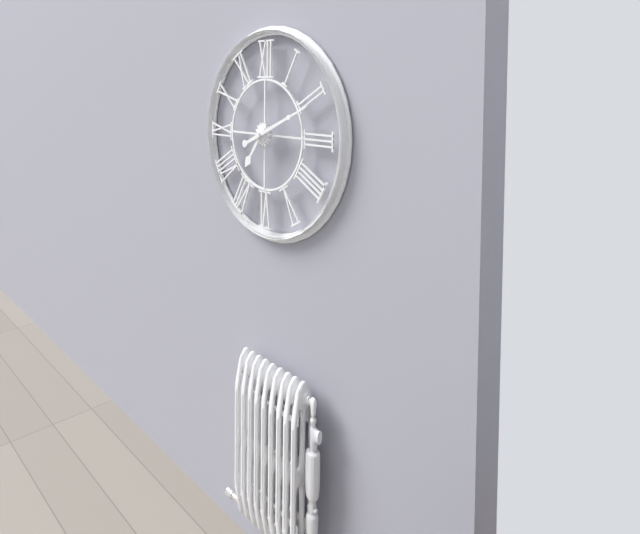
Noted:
7,11
